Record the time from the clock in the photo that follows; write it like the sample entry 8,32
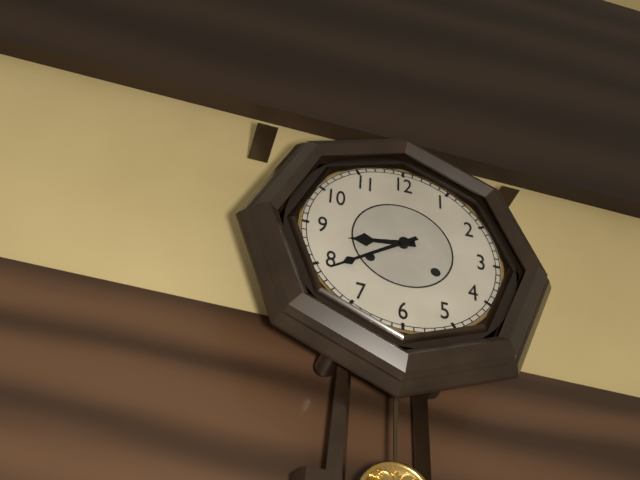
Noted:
8,39
